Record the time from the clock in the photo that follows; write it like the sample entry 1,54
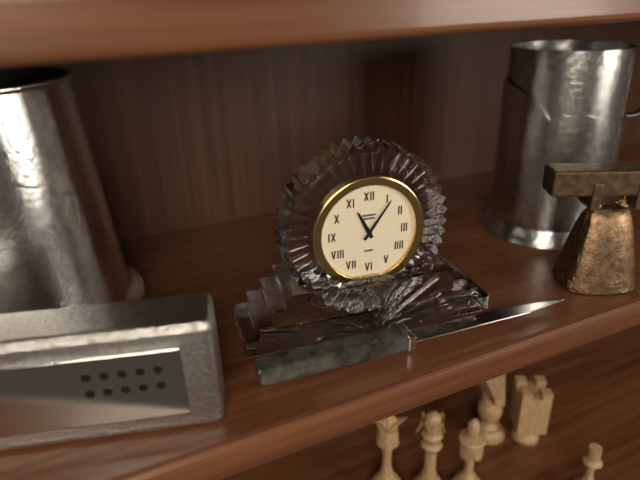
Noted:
11,06
